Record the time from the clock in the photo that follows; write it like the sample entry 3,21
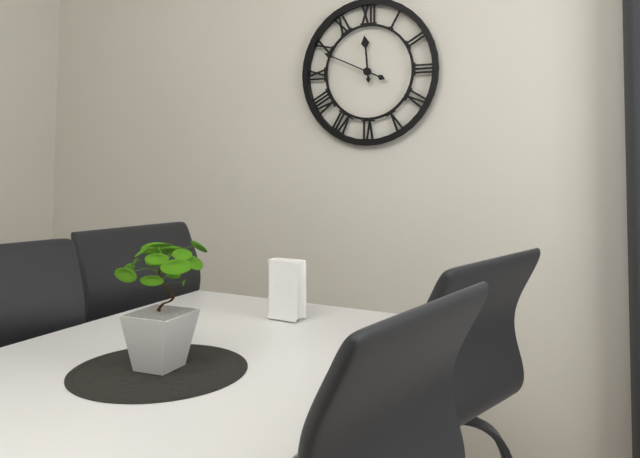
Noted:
11,49
